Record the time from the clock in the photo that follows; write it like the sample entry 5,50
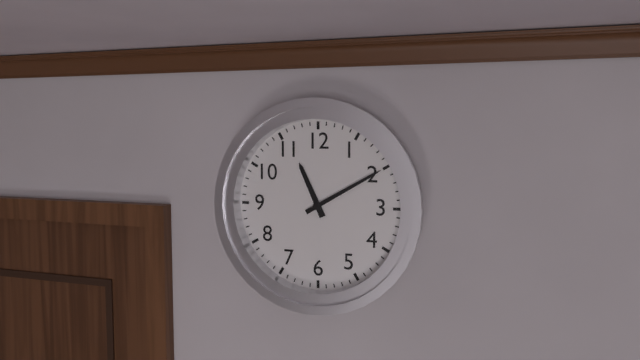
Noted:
11,10
